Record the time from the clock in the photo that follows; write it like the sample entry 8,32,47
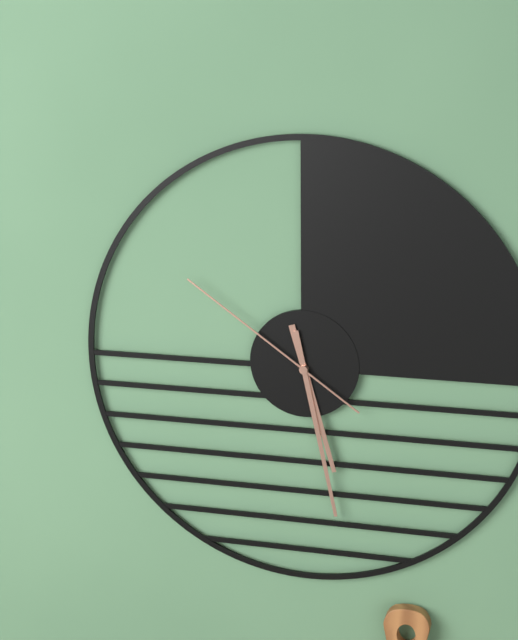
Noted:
5,28,51
